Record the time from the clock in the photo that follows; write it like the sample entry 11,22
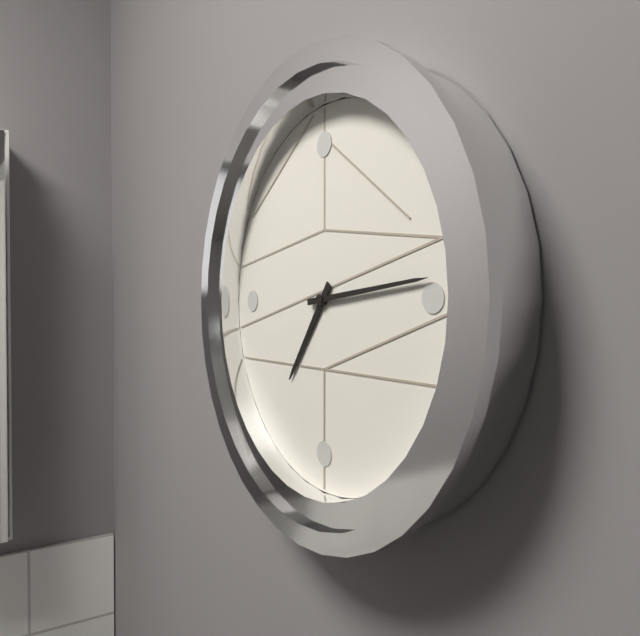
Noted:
7,14
